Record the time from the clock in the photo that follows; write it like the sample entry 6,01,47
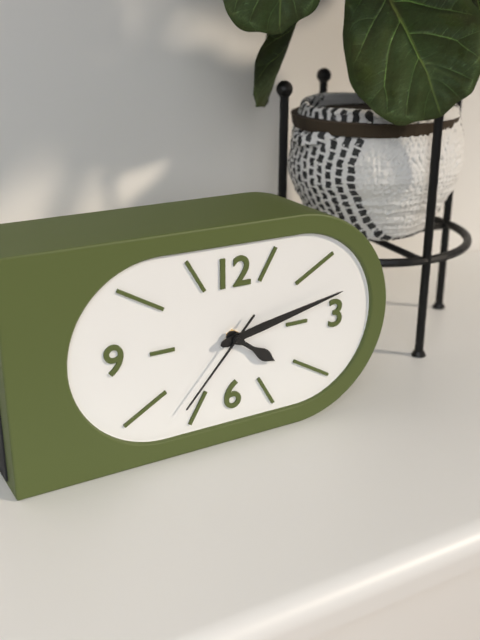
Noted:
4,13,37
